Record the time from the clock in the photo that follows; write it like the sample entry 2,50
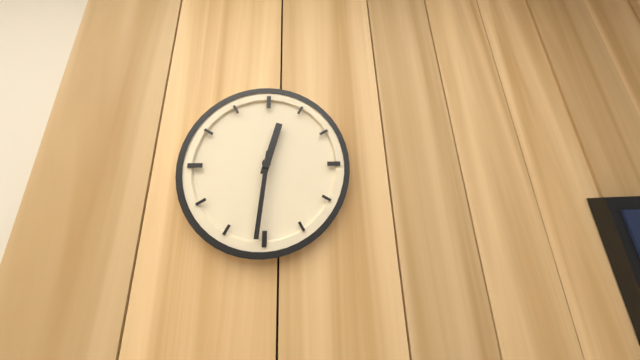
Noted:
12,31
